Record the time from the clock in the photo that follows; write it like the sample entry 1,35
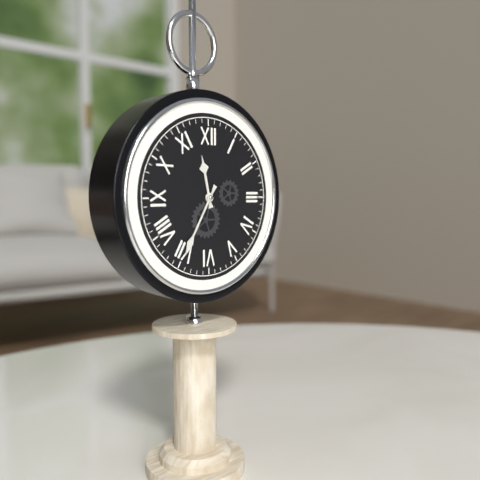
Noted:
11,35
